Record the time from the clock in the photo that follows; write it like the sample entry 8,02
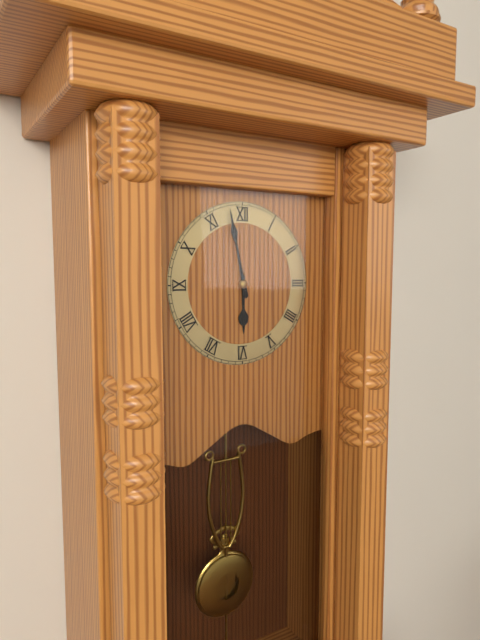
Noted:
5,58
